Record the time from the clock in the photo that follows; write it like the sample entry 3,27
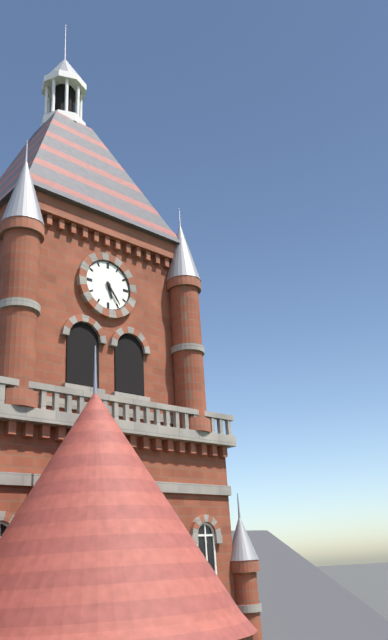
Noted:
5,24
